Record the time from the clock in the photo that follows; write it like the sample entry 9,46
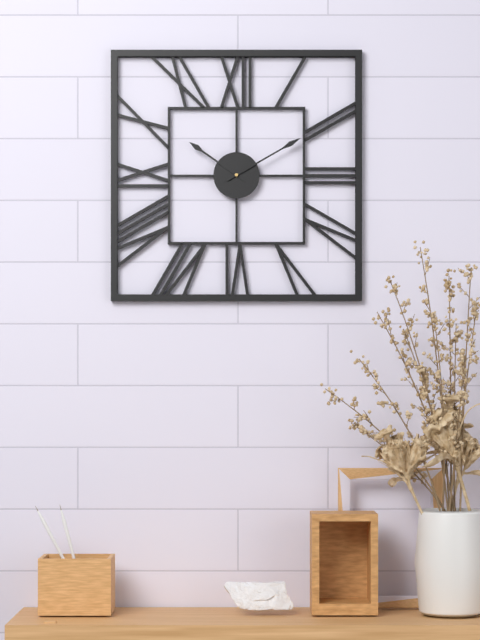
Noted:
10,10
